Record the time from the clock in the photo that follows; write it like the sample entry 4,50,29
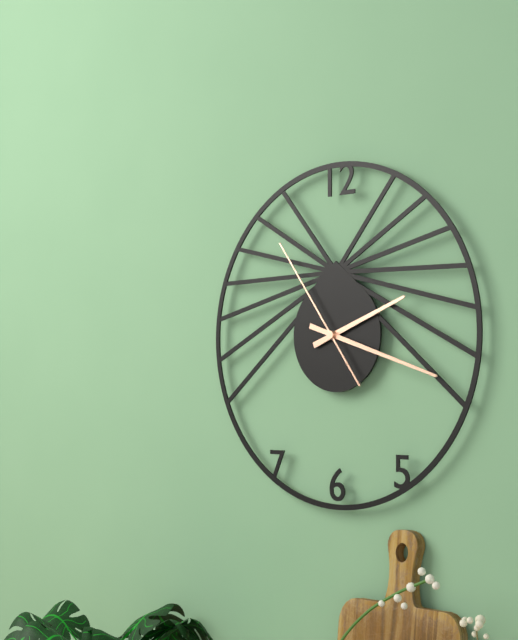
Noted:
2,18,54
